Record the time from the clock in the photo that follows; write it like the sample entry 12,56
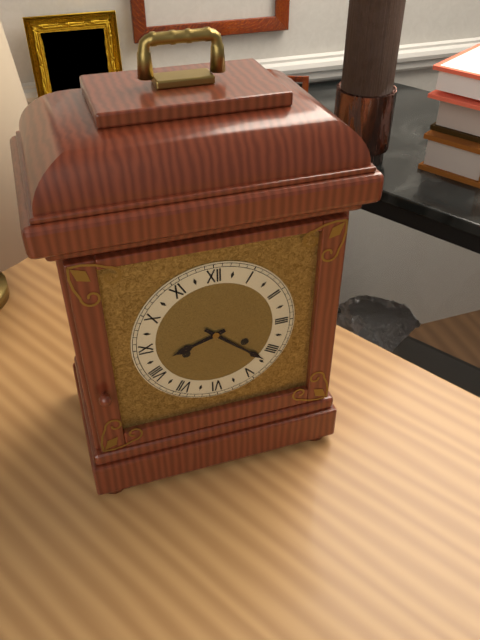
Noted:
8,22
